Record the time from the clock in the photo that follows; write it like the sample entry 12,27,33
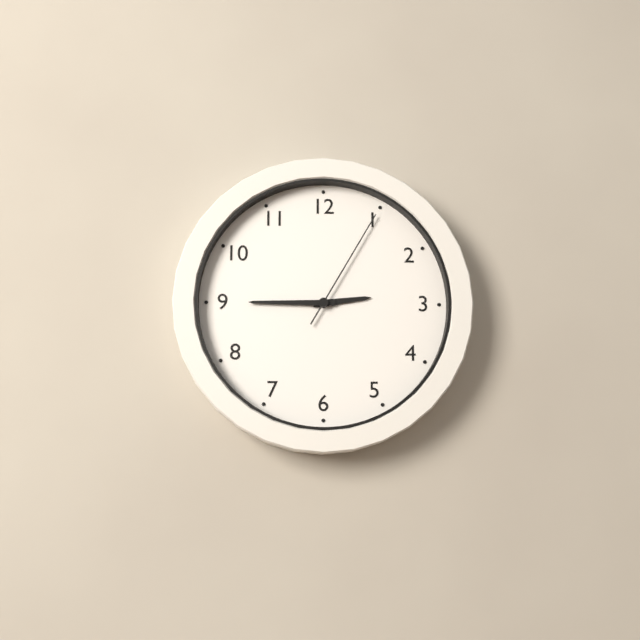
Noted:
2,45,05
